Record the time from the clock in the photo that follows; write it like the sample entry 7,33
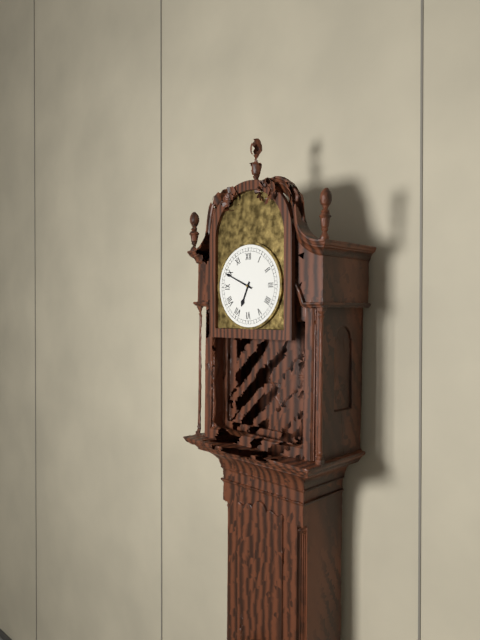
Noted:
6,49
